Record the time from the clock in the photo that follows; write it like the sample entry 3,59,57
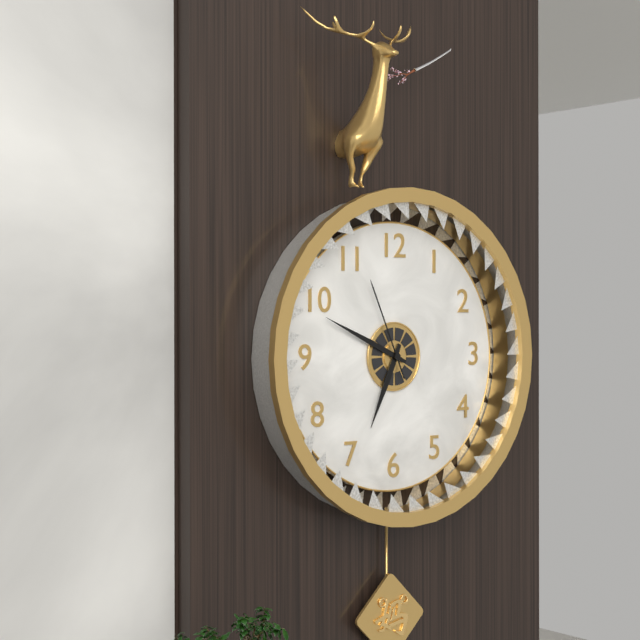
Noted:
6,49,56
